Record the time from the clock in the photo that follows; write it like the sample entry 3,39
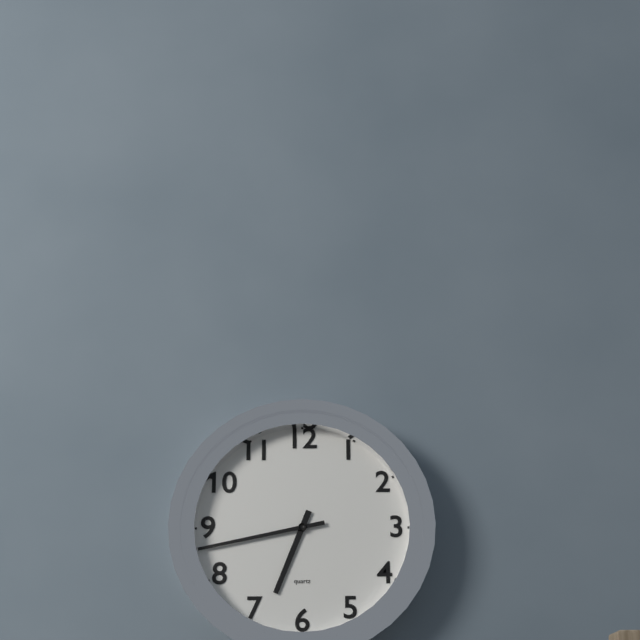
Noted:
6,43
